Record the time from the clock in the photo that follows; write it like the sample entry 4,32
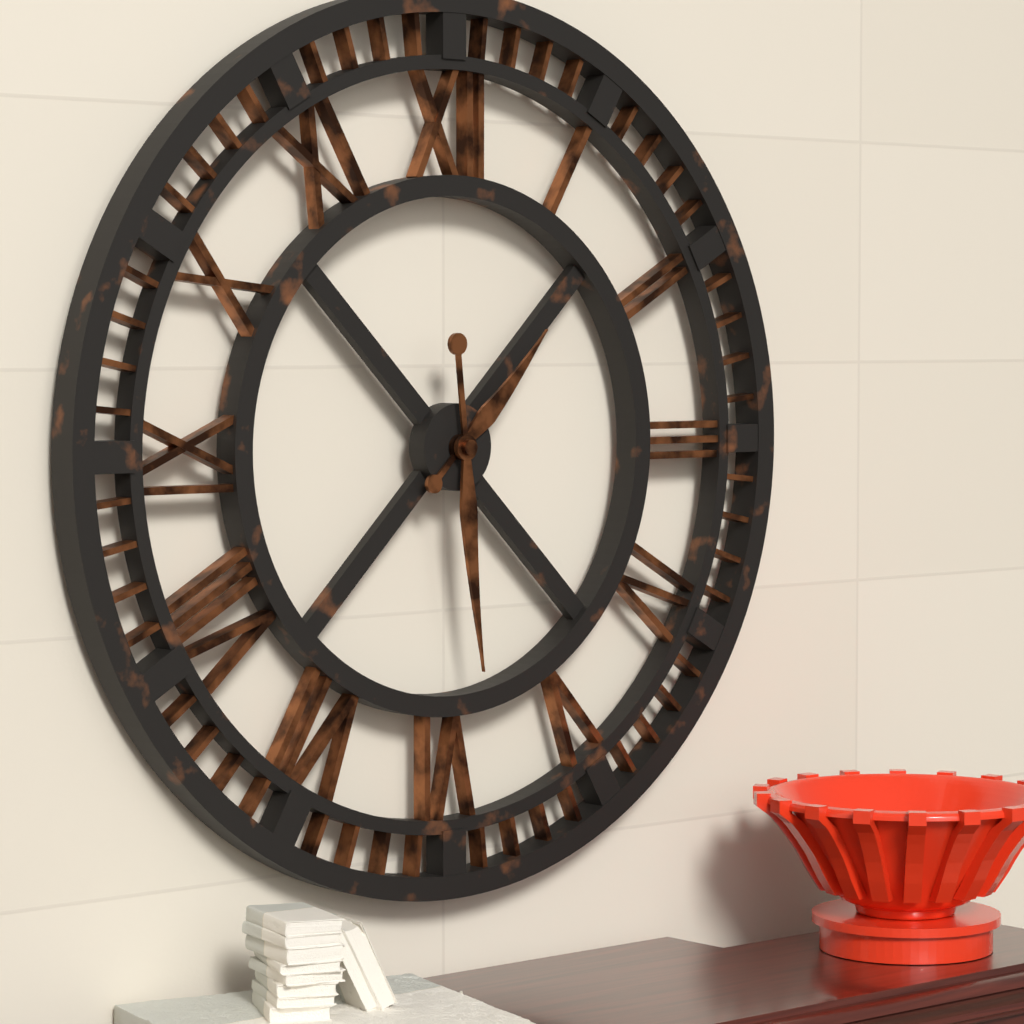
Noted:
1,29
